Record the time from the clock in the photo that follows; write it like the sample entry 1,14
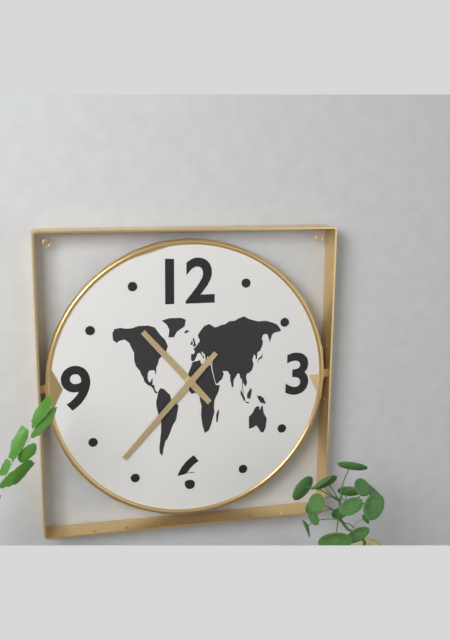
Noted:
10,37
